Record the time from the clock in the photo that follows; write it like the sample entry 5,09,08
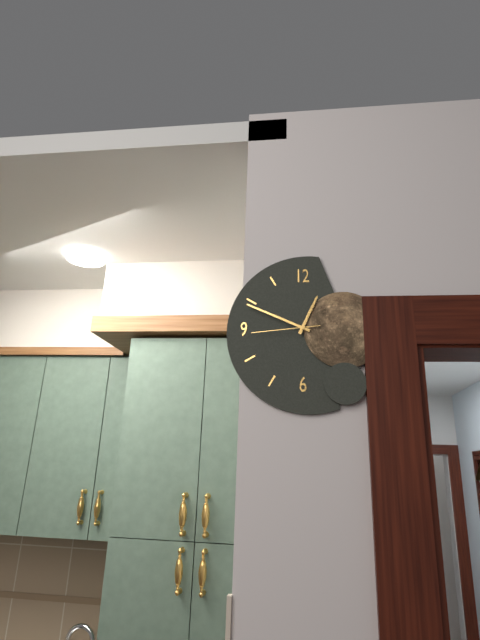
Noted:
12,49,44
